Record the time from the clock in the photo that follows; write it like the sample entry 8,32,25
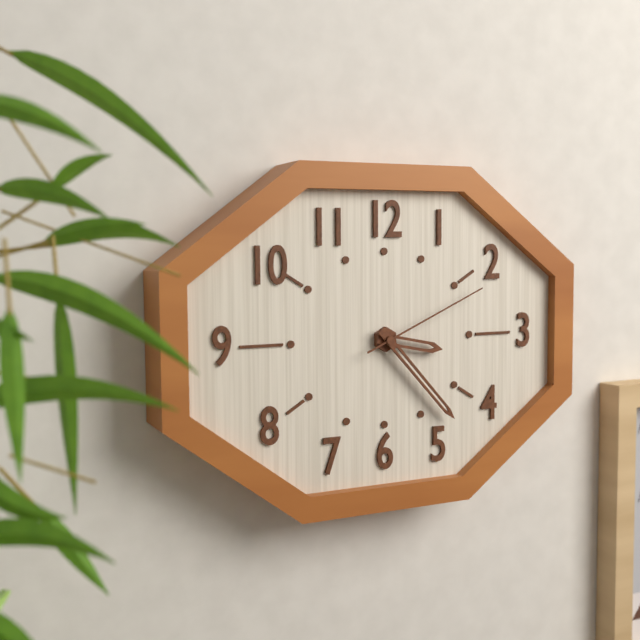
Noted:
3,23,11
